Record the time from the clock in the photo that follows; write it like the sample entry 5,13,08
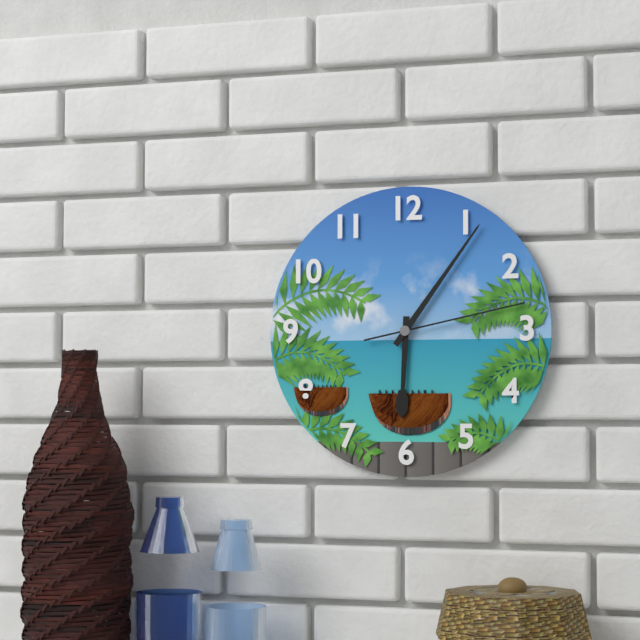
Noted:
6,06,13
